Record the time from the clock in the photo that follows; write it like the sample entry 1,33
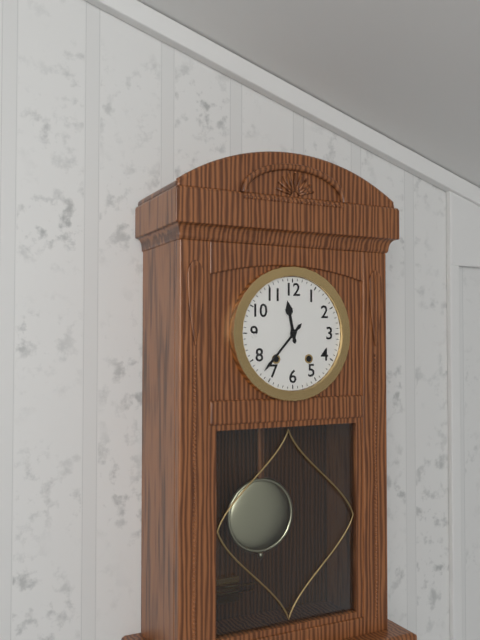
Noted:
11,37
